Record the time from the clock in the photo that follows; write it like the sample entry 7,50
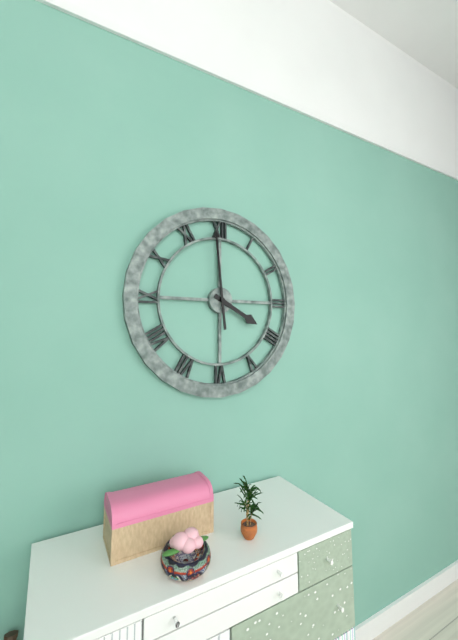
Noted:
3,59
